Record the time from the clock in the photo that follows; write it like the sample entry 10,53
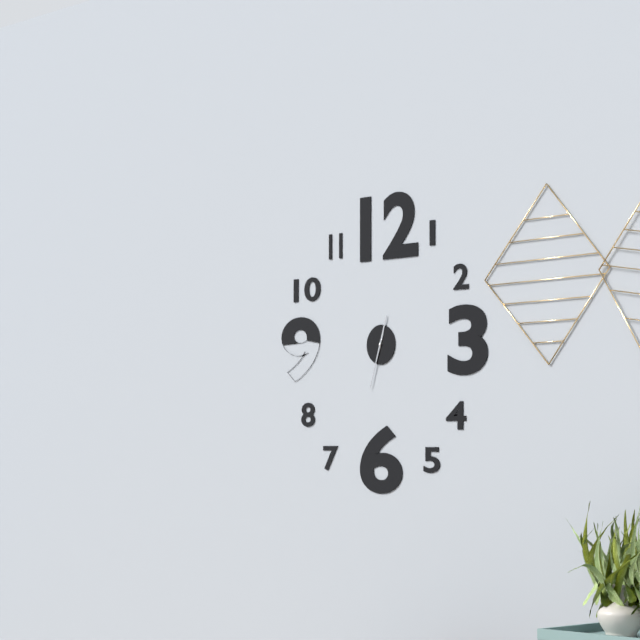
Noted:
12,33
